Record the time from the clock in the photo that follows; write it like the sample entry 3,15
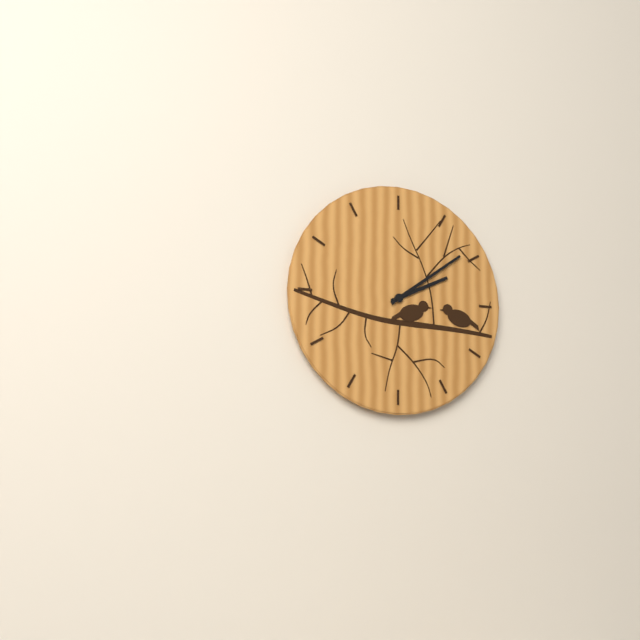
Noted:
2,09
